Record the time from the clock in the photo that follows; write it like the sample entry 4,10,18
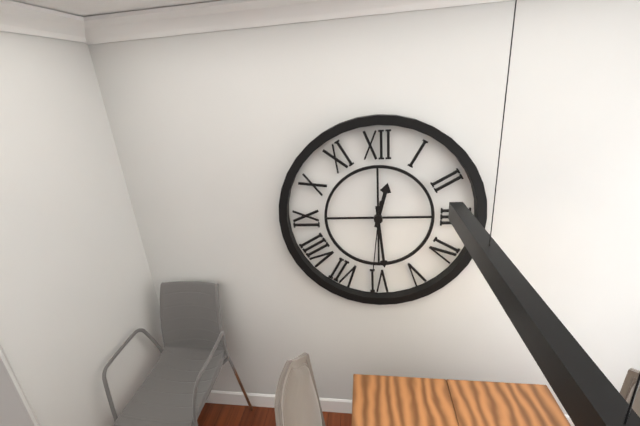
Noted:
12,29,31
